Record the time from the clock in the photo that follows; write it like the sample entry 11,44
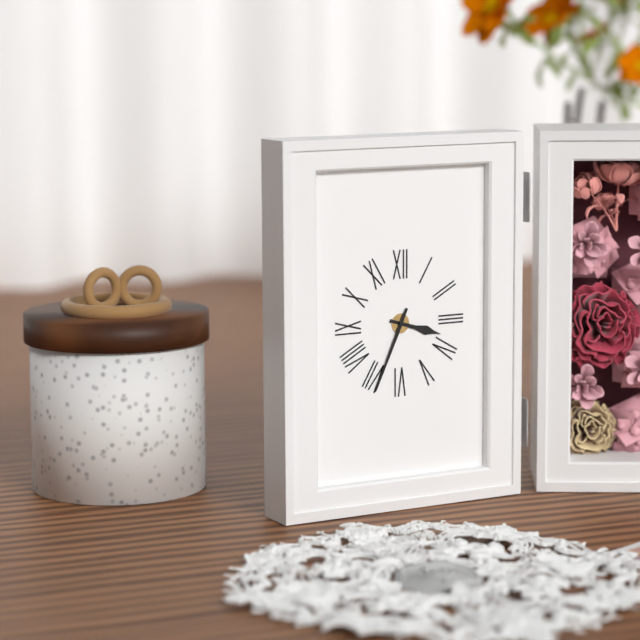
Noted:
3,34
